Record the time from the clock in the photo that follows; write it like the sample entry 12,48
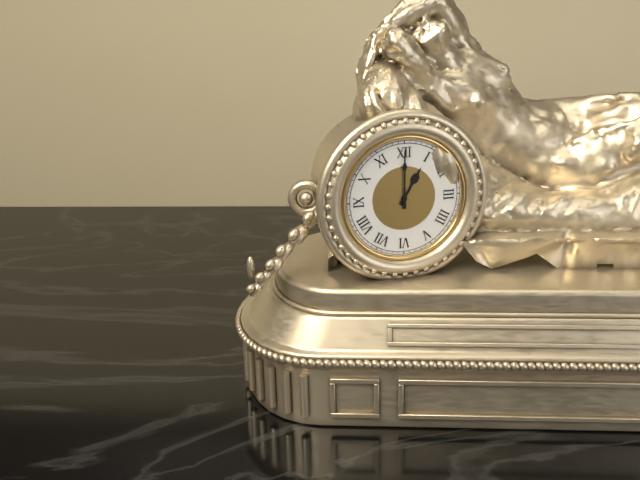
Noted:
1,00
